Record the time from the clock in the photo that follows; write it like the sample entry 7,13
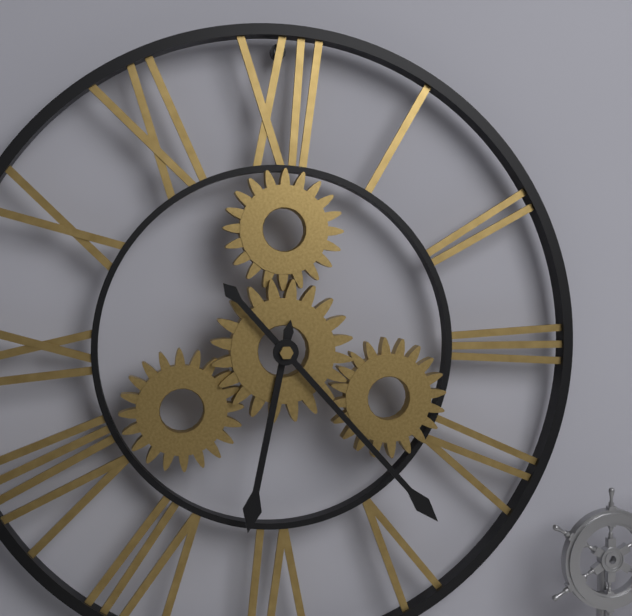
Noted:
6,23
